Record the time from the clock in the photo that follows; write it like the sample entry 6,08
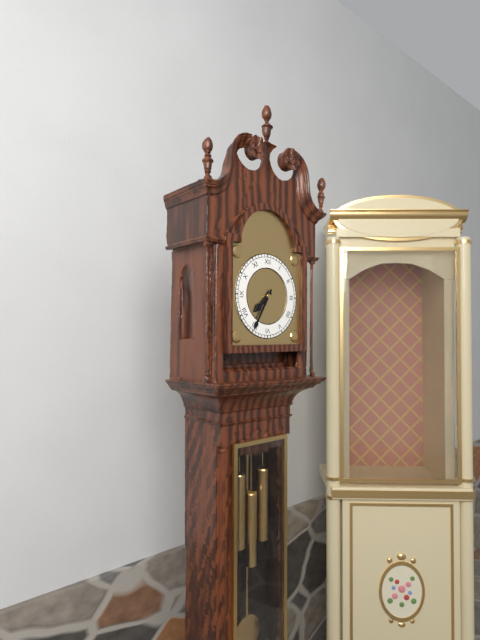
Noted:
7,35
